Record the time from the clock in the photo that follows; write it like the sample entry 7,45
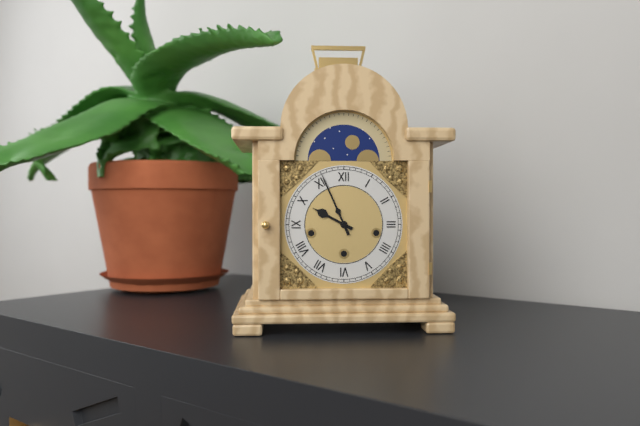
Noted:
9,56
